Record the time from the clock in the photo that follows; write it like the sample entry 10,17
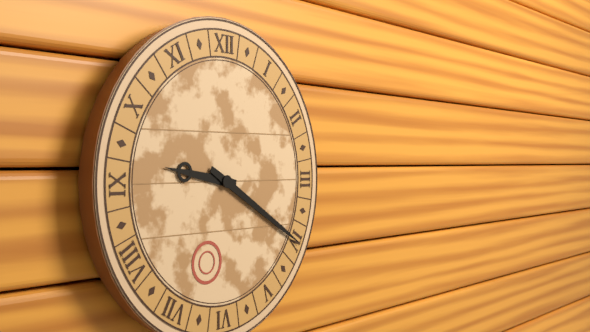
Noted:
9,20
